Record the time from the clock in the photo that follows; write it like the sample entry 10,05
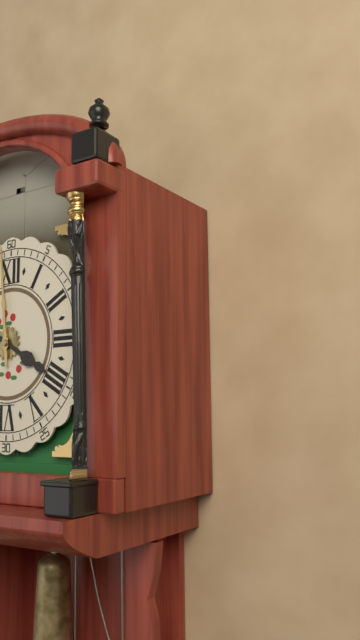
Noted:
3,59
